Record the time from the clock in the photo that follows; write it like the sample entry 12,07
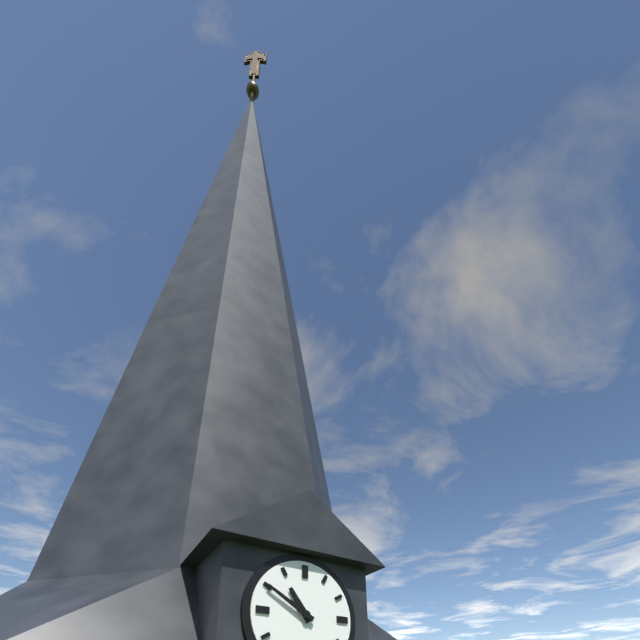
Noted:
10,50
